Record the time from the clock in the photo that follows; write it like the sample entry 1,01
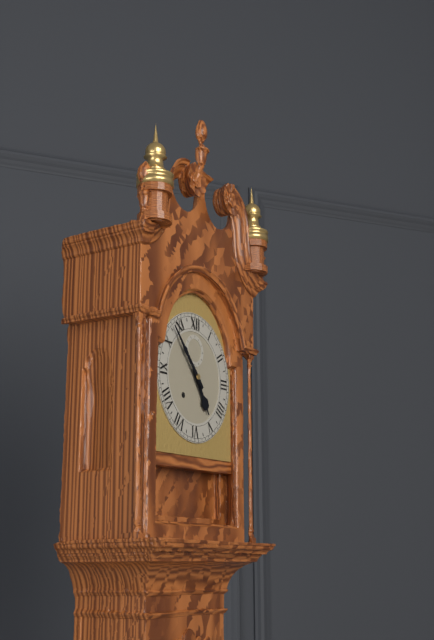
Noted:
4,53
